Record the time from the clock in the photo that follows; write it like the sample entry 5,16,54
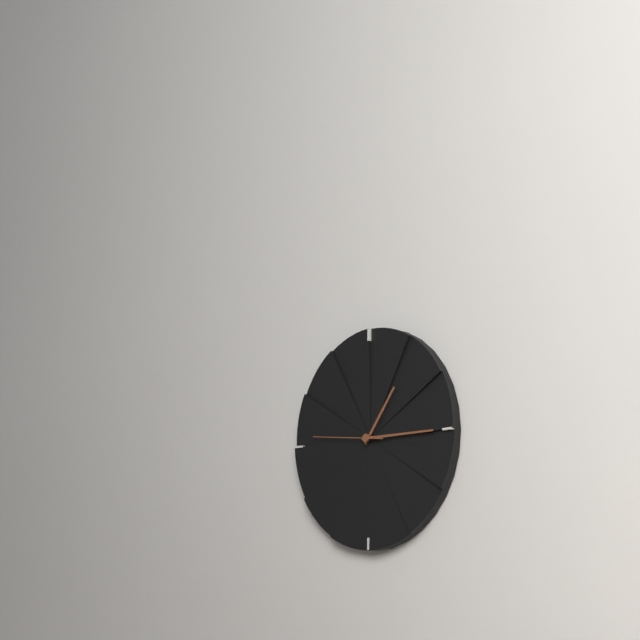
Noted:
1,15,46
